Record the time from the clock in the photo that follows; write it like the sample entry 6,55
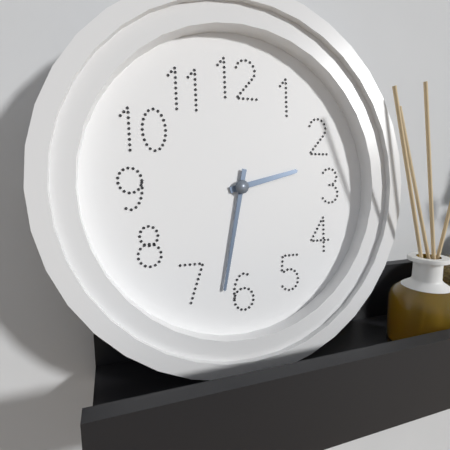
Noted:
2,32
